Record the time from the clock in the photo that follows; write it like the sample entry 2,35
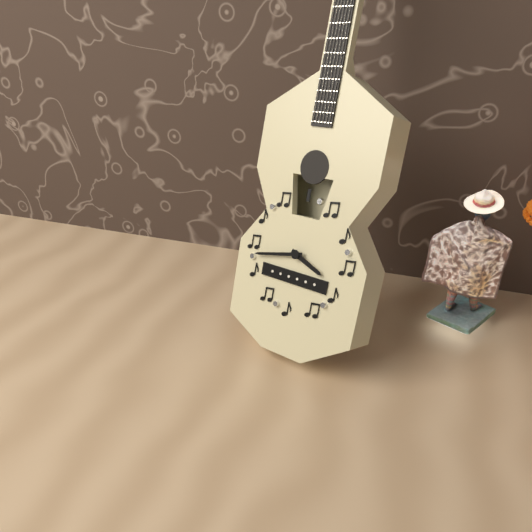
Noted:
3,43
